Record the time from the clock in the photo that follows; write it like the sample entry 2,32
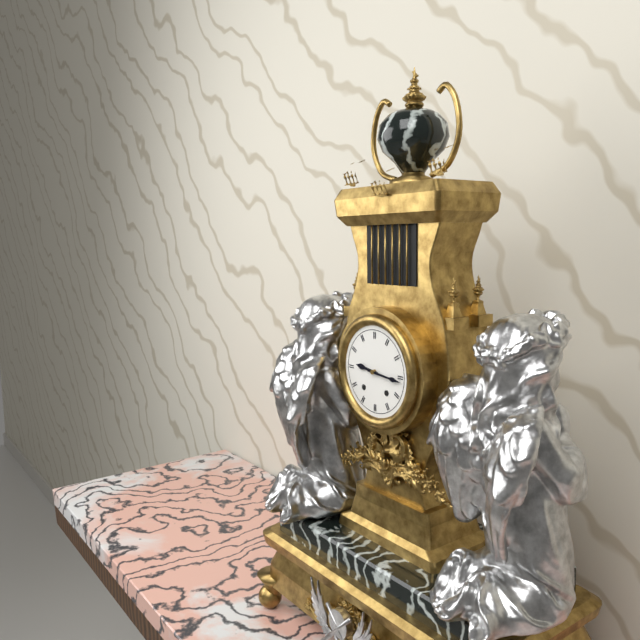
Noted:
9,16
